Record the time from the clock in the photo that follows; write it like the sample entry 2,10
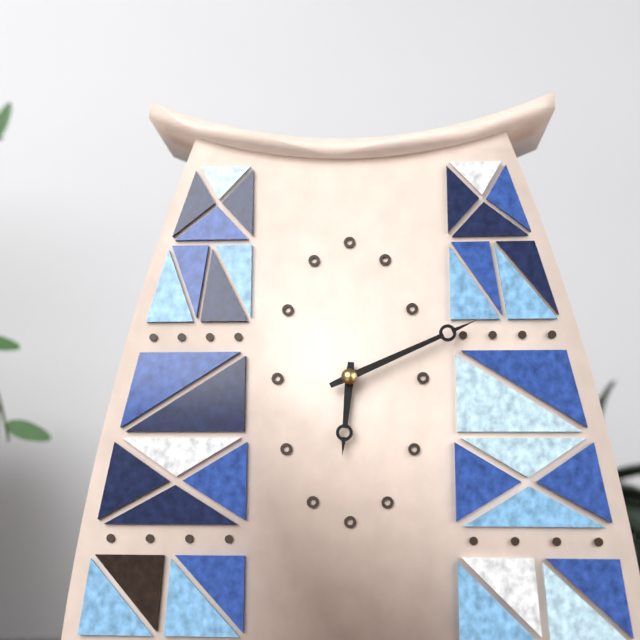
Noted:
6,11
